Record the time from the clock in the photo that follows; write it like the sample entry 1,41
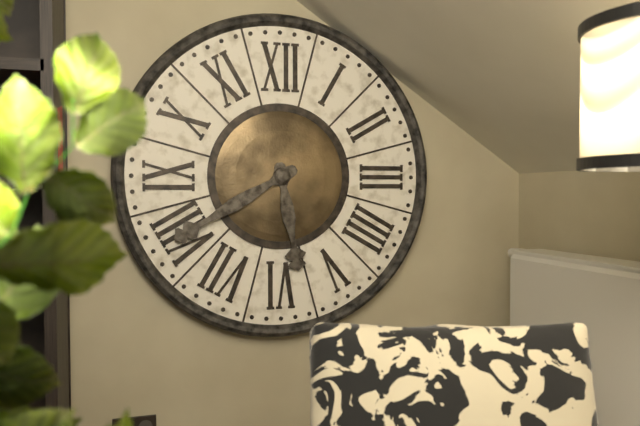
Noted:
5,40
